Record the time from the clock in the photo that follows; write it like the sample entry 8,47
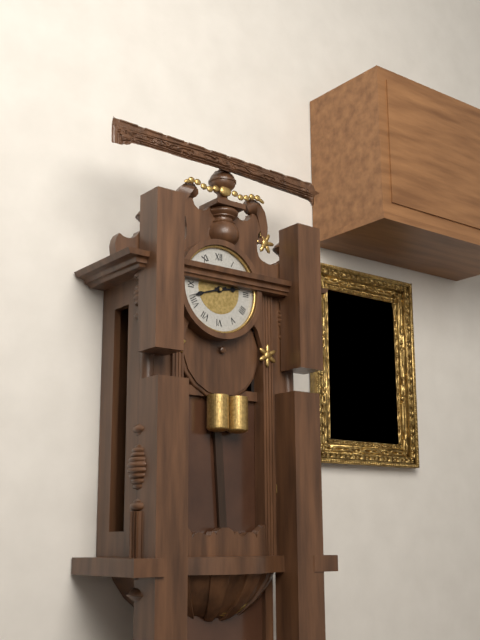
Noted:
2,42
